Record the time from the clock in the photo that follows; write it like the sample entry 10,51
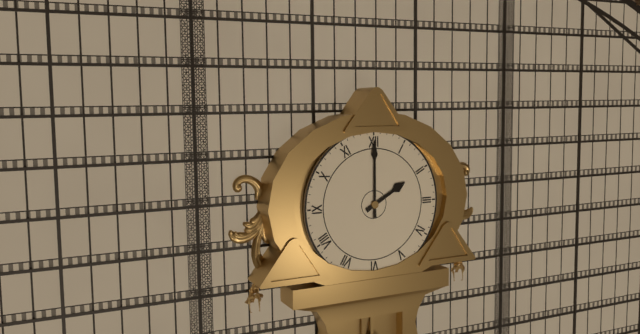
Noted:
2,00
